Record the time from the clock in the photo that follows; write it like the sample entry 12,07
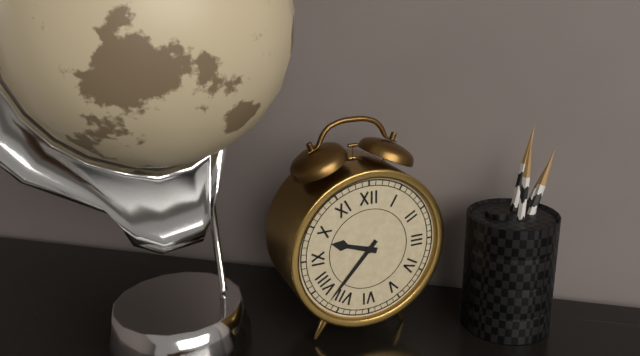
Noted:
9,37
